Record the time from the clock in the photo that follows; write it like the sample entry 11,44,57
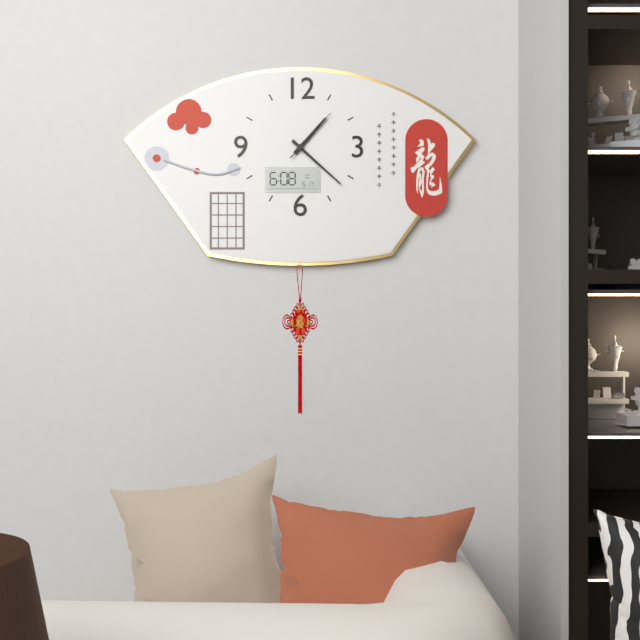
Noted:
1,22,07
